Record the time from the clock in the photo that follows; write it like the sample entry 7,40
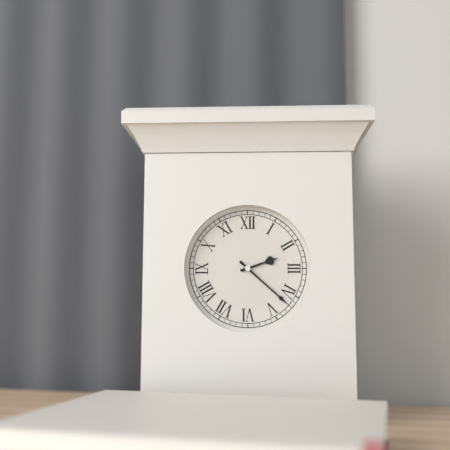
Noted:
2,22
